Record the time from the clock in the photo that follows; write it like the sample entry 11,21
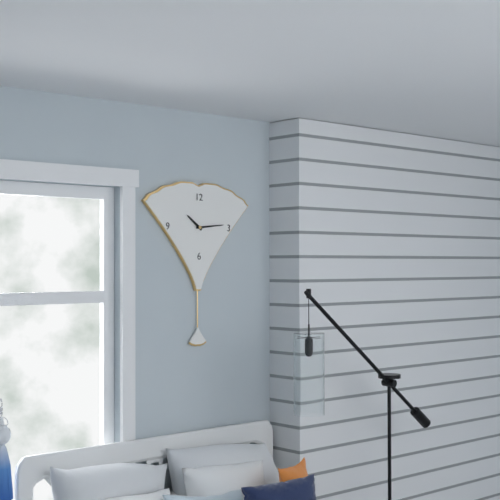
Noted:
10,14
